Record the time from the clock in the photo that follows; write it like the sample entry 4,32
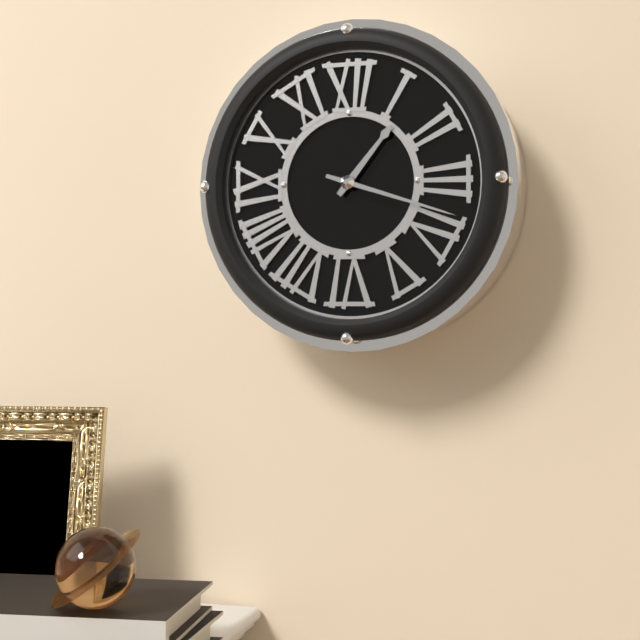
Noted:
1,18
